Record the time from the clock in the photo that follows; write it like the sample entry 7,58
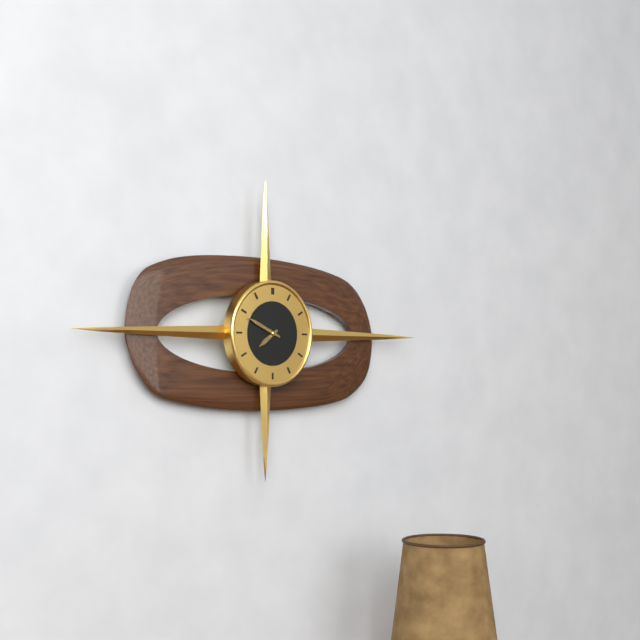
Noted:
7,49
